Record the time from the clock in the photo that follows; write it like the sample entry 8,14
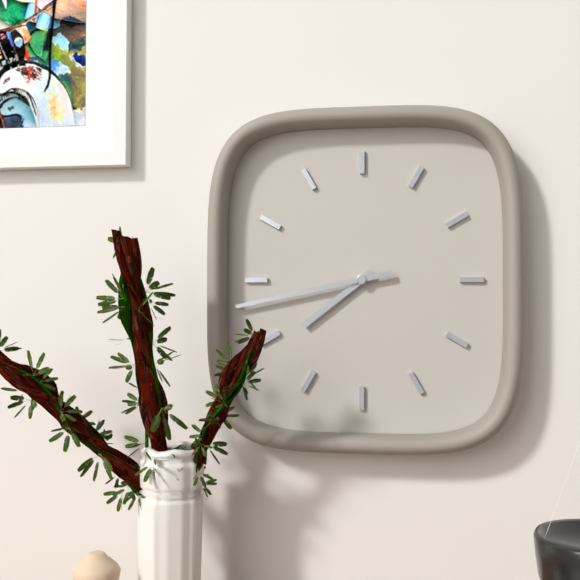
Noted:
7,43
